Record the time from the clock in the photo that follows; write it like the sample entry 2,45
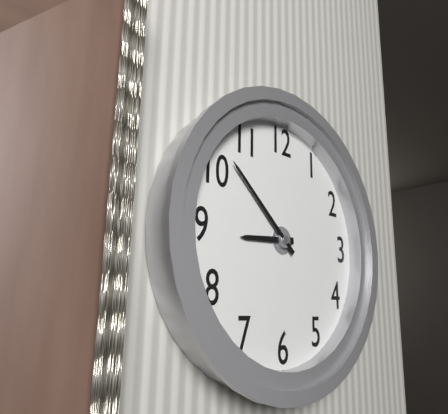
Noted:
8,52
